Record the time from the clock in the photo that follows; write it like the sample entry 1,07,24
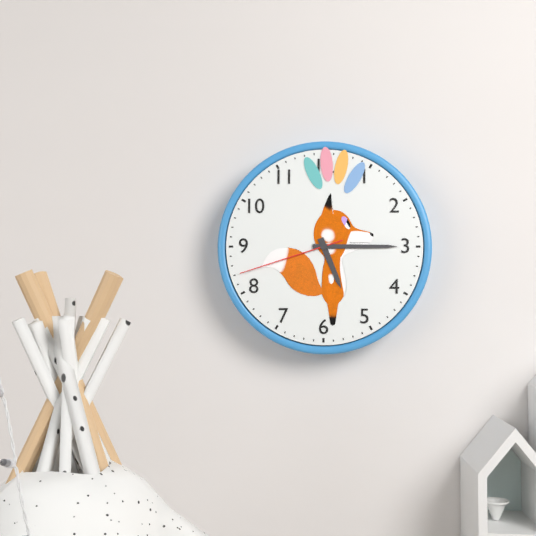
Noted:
5,15,42
